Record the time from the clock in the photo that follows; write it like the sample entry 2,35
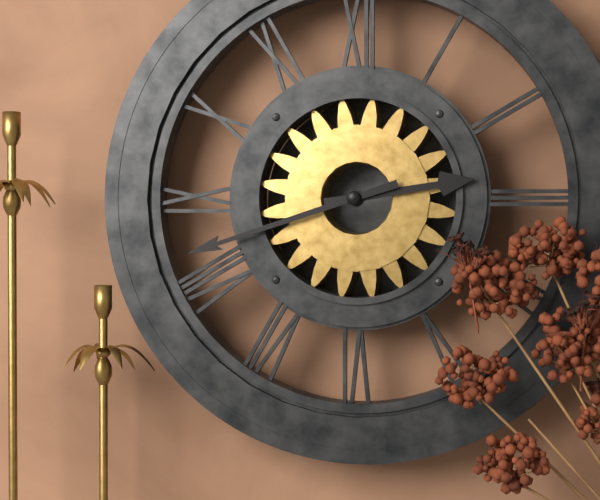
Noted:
2,42
